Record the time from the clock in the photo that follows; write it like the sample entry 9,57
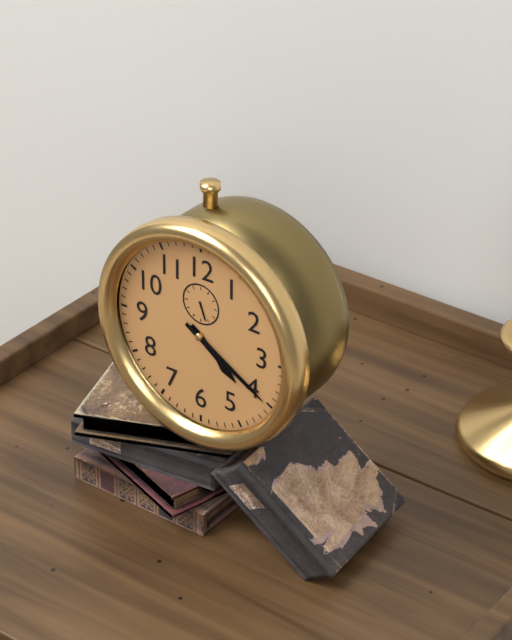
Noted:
4,20
